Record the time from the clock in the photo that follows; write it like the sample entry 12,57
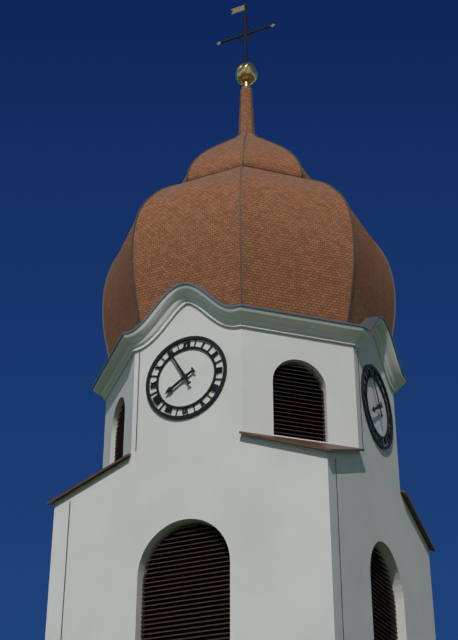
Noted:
7,55
